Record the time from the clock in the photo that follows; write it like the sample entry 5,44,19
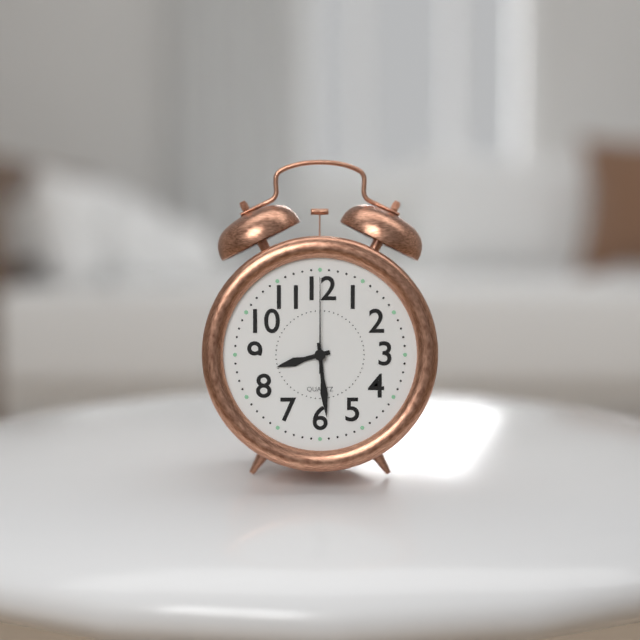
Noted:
8,29,00
